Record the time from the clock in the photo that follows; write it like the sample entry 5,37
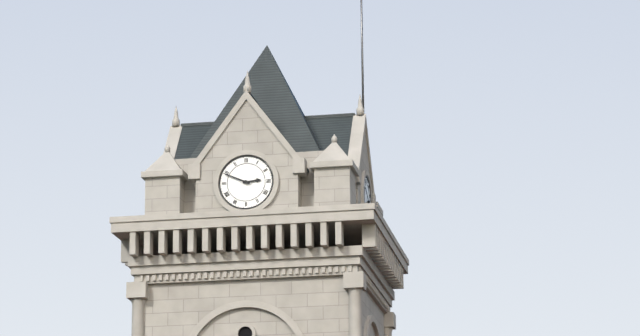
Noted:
2,49
